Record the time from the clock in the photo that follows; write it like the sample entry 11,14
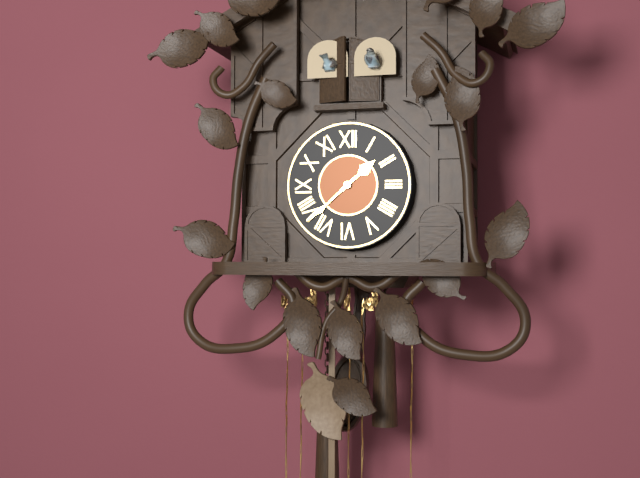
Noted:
1,38
